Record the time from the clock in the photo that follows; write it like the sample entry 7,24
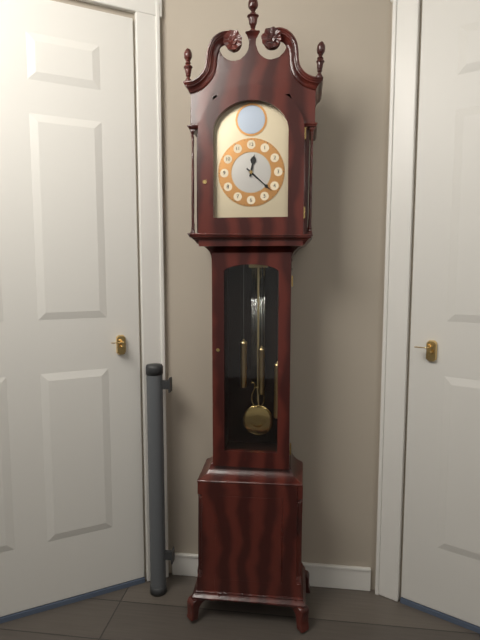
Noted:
12,22
